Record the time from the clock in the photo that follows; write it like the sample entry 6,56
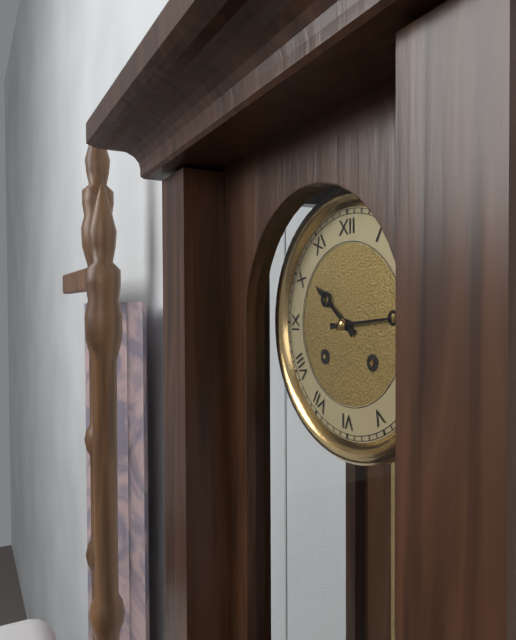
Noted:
10,14
